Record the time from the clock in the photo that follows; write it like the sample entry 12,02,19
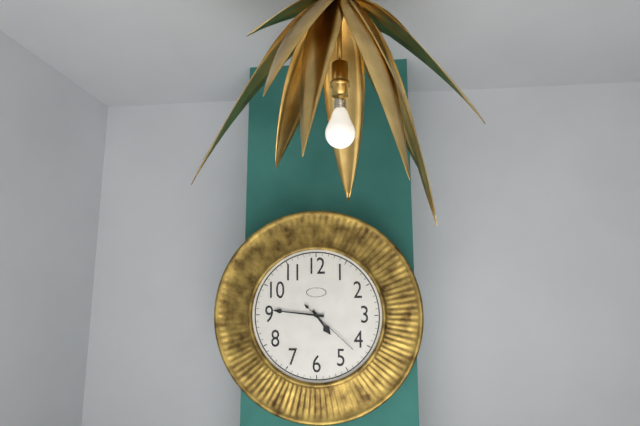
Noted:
4,46,22
